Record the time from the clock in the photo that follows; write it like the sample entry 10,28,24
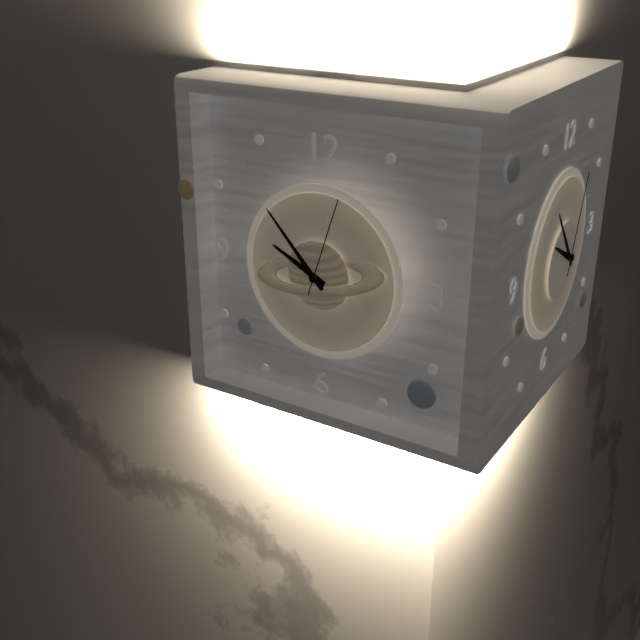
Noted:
9,53,03
